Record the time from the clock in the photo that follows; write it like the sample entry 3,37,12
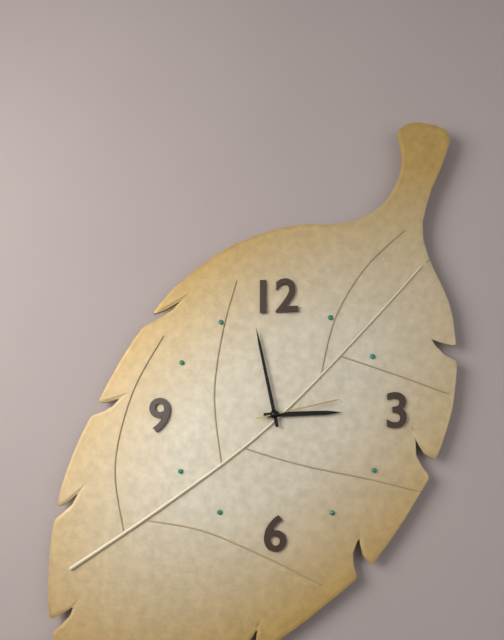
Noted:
2,58,13
